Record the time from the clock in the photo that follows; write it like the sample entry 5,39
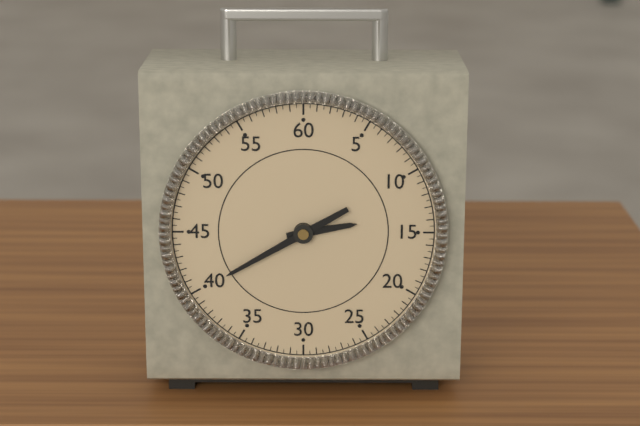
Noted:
2,40
